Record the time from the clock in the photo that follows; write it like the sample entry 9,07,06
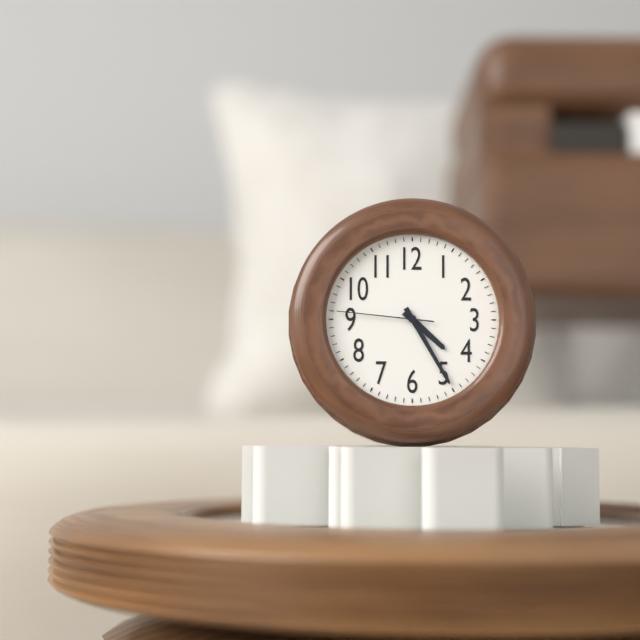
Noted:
4,25,46
